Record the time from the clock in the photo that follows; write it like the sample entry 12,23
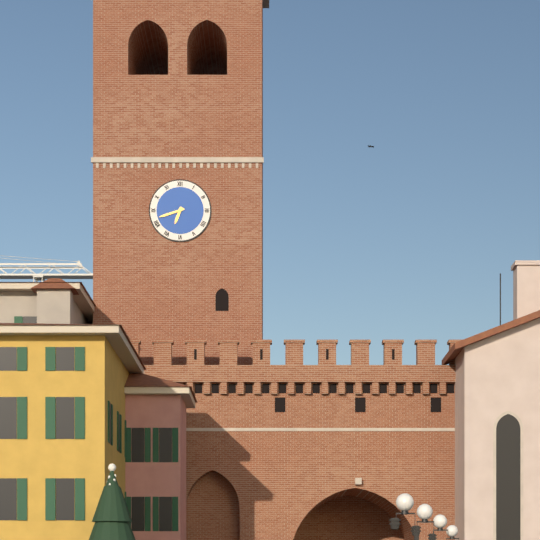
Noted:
6,42
